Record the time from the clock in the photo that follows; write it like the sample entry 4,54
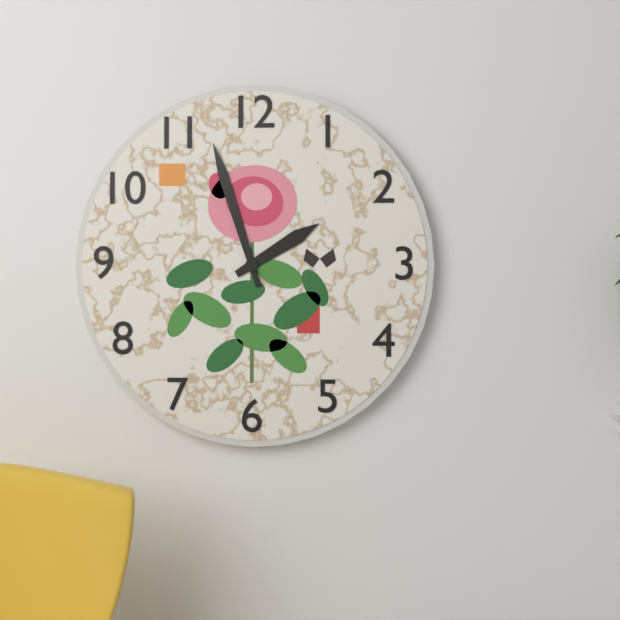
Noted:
1,57
